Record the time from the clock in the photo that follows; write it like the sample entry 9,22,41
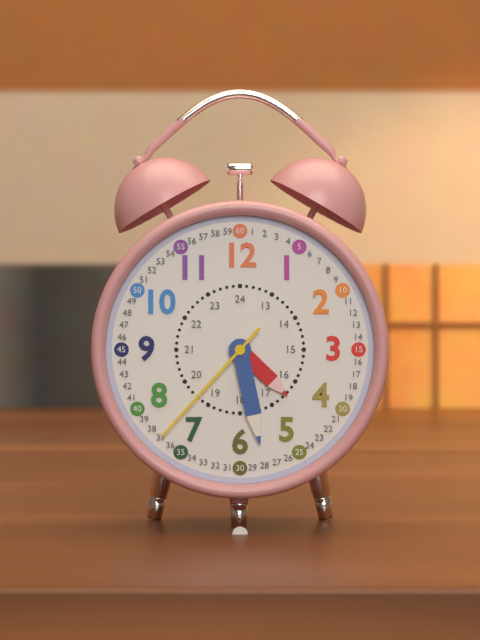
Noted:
4,28,37
